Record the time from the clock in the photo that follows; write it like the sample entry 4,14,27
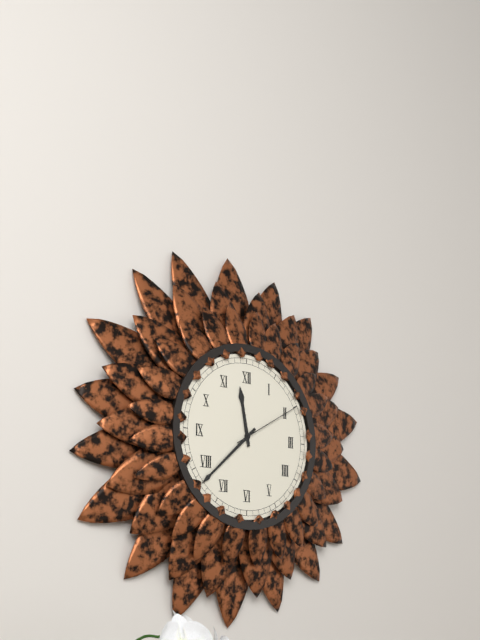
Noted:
11,38,10
